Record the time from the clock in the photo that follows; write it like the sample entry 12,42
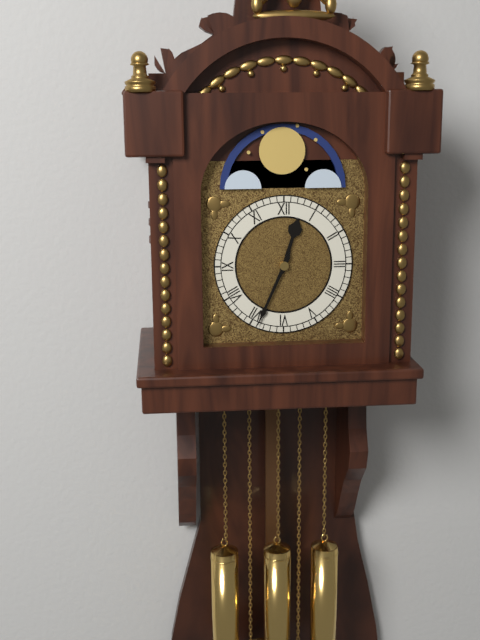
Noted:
12,34
